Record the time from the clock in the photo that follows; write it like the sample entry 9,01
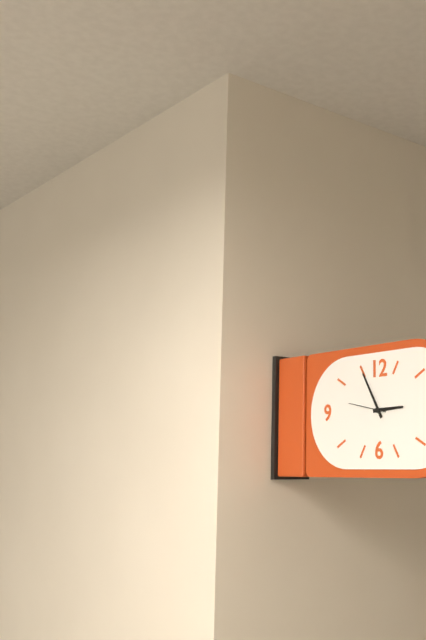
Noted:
2,55
